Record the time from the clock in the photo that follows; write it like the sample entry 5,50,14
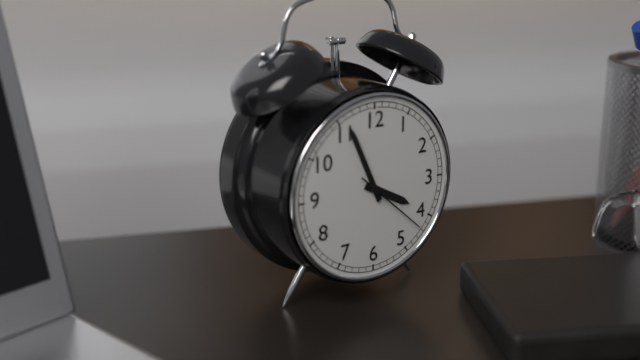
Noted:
3,56,22
